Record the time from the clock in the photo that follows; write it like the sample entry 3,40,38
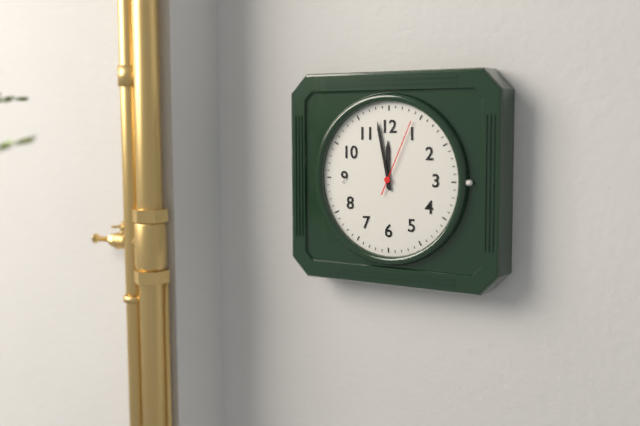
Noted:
11,58,04
